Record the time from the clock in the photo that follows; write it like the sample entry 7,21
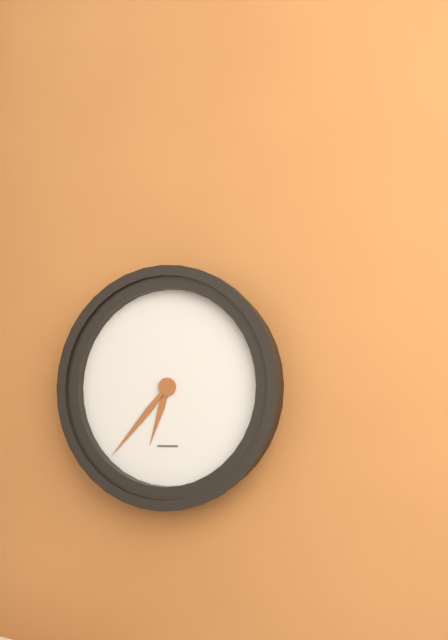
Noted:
6,37
